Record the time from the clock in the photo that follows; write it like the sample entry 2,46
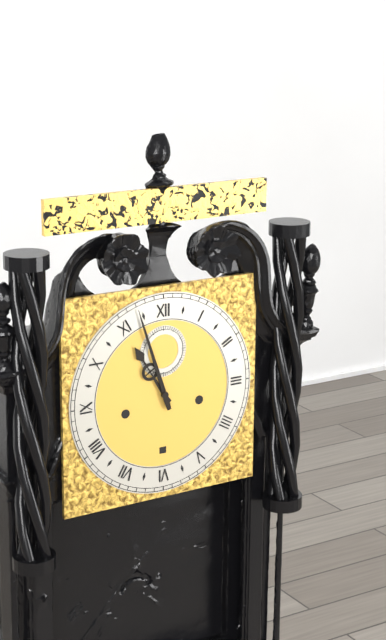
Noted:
10,57
